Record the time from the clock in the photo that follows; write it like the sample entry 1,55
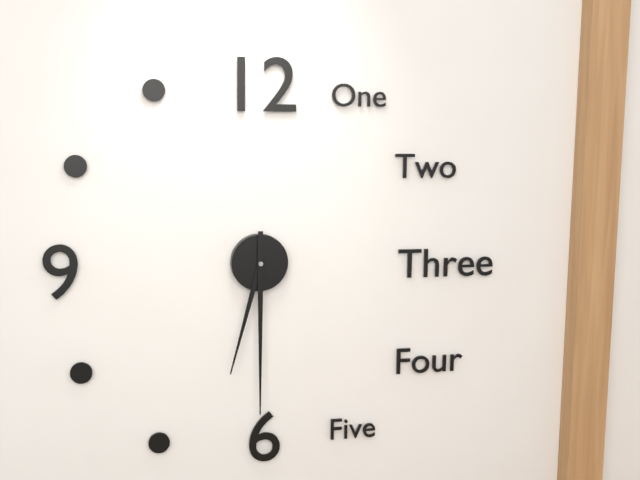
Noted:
6,30
